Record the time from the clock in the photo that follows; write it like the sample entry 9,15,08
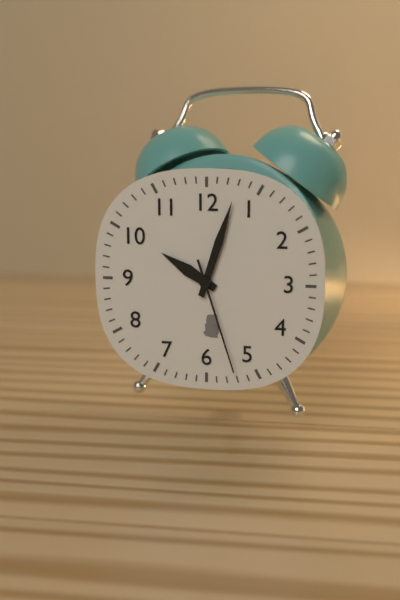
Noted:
10,03,27
